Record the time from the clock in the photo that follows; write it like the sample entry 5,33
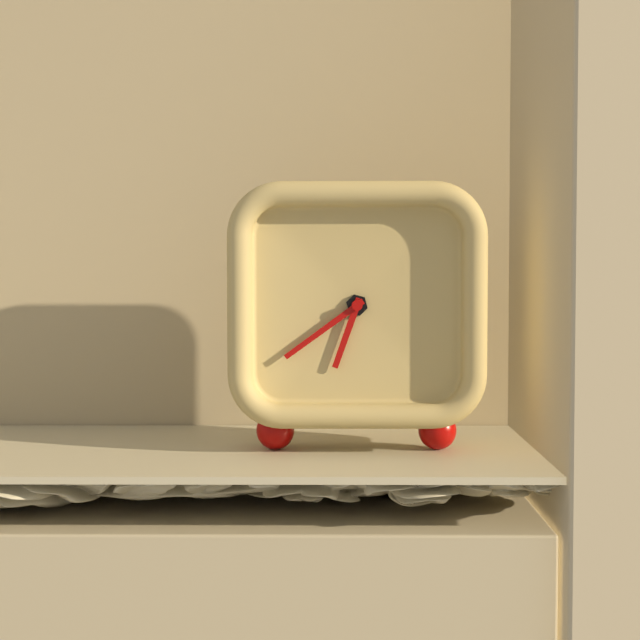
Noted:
6,39
